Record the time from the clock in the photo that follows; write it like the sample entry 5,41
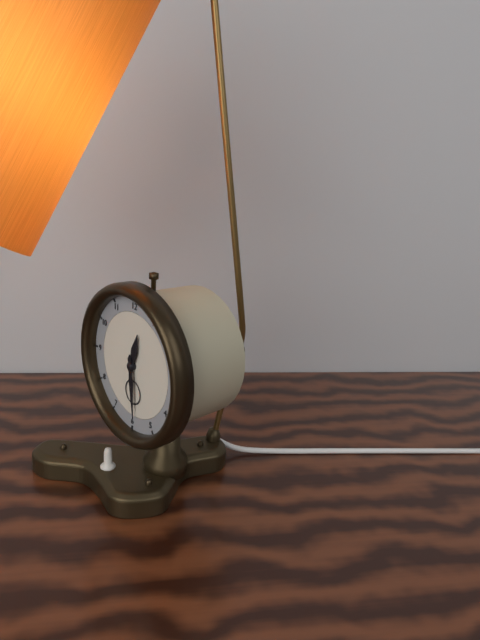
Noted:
12,29
